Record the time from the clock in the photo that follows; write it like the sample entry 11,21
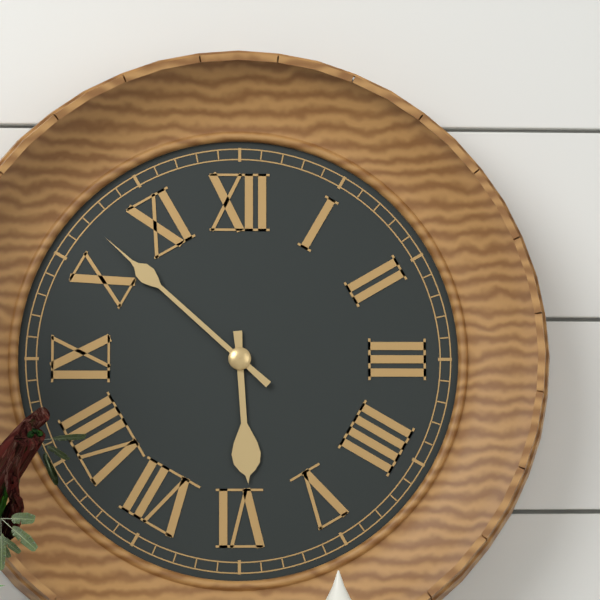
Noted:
5,52
